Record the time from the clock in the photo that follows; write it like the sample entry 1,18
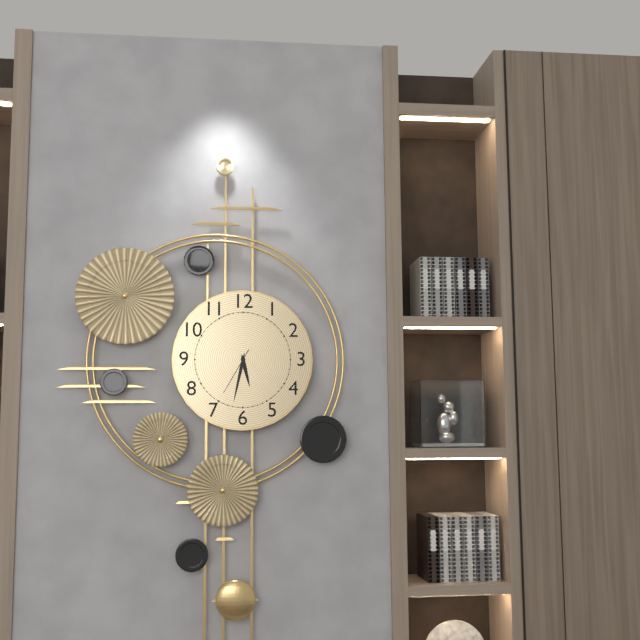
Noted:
5,32
